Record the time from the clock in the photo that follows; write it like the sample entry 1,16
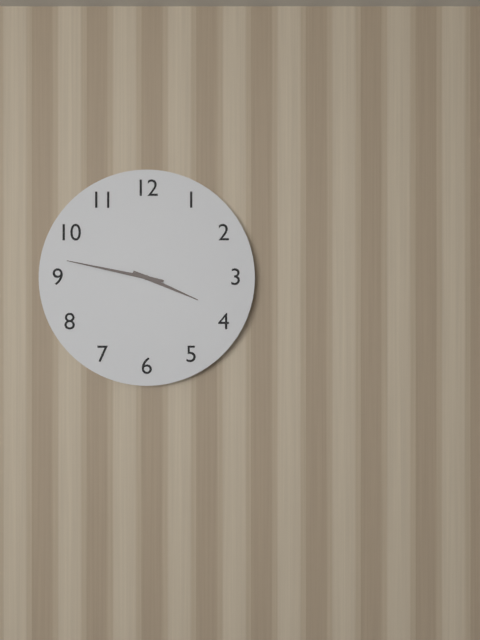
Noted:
3,47
